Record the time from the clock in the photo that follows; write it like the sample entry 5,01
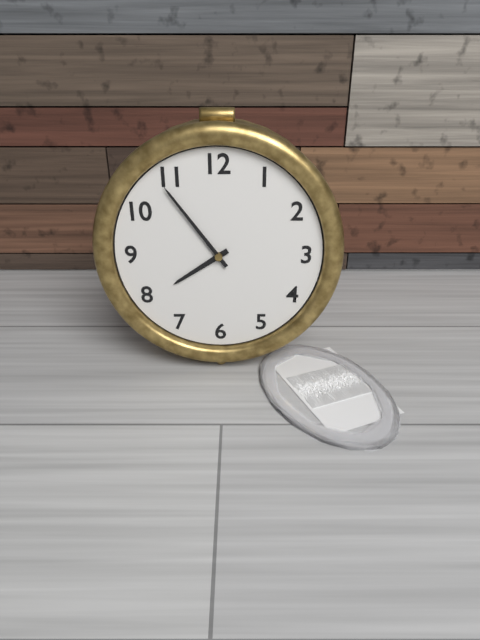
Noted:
7,54
